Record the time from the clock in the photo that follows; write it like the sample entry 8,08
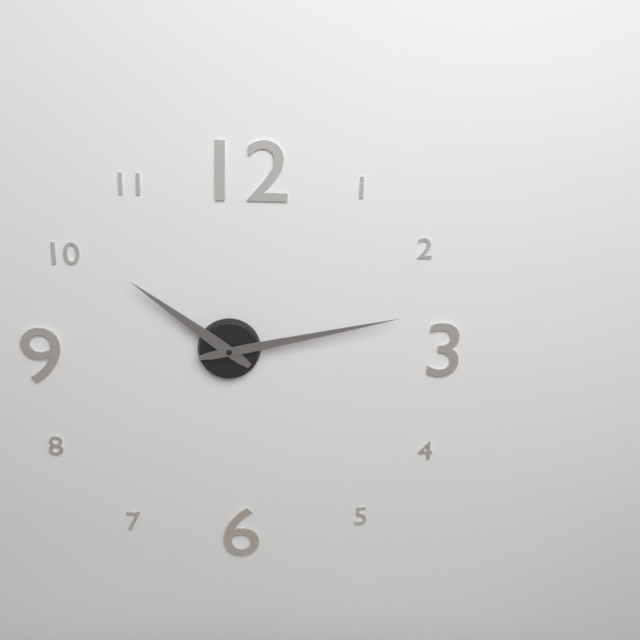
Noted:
10,13
